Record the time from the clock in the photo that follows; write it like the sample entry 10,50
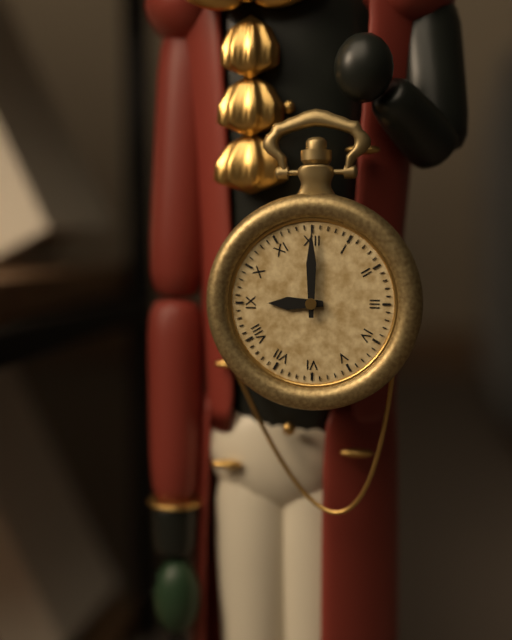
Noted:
9,00
